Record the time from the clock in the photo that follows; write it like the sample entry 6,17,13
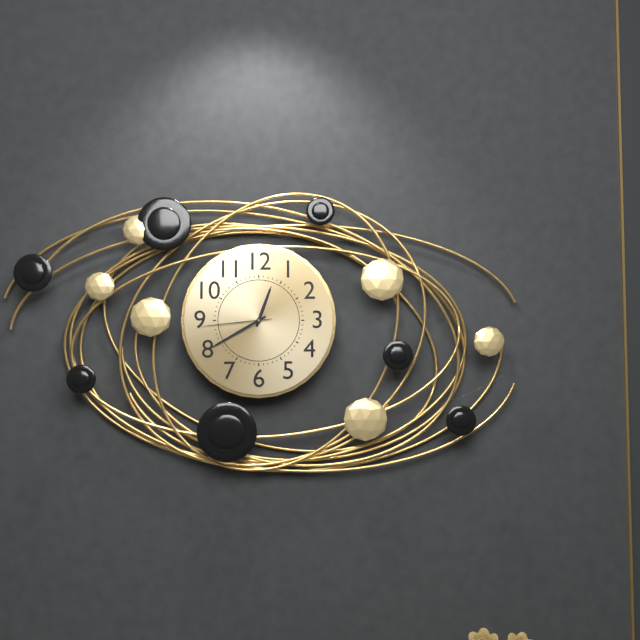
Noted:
12,40,44
